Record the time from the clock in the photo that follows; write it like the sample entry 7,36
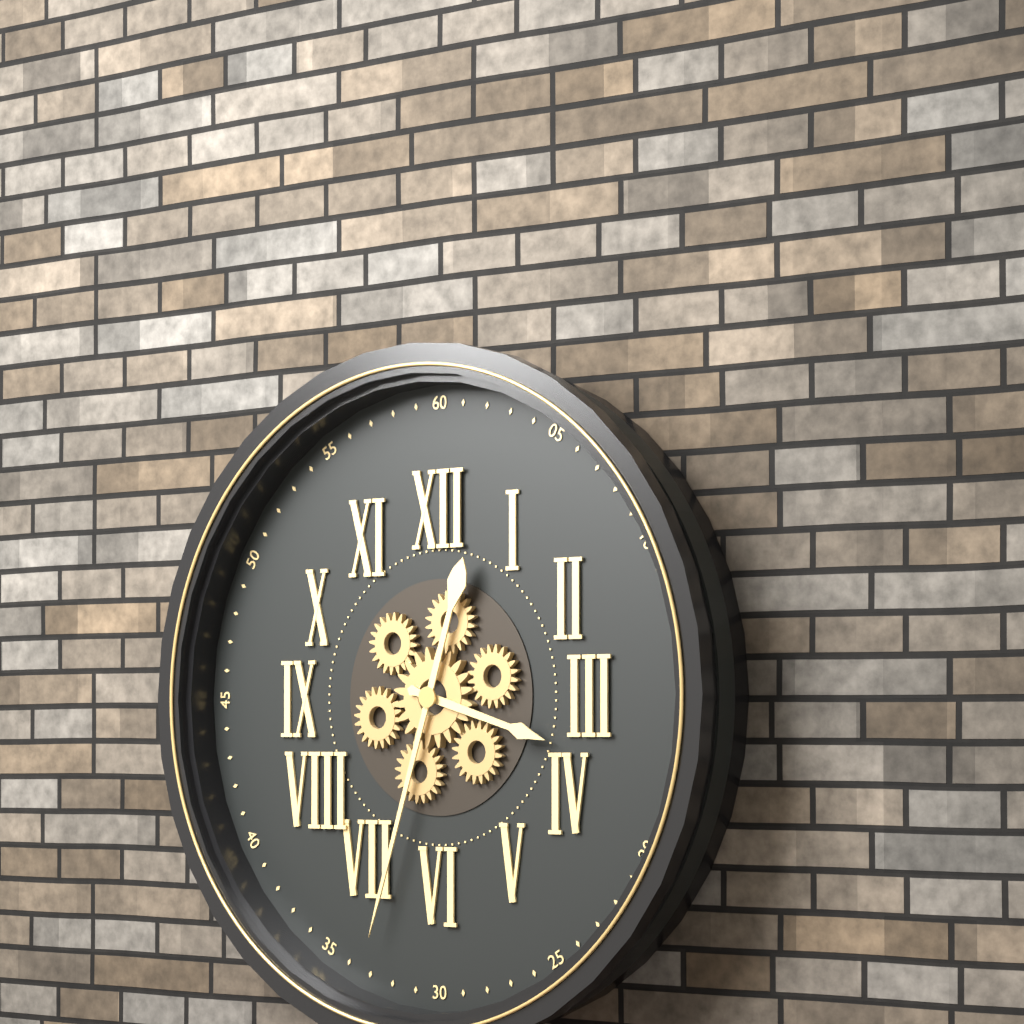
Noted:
3,33
